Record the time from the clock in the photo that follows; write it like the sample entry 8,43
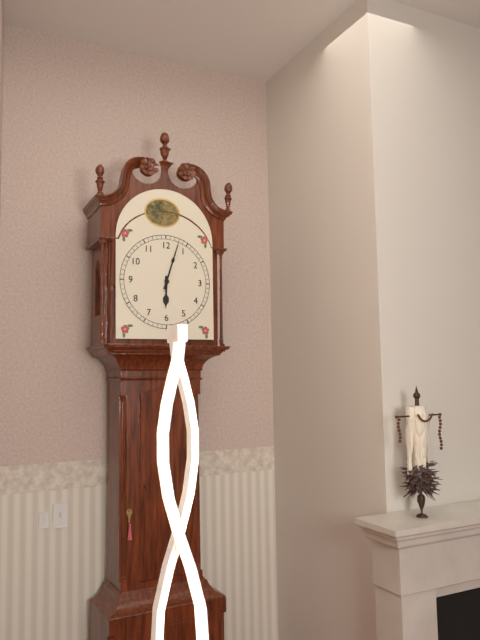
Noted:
6,03
